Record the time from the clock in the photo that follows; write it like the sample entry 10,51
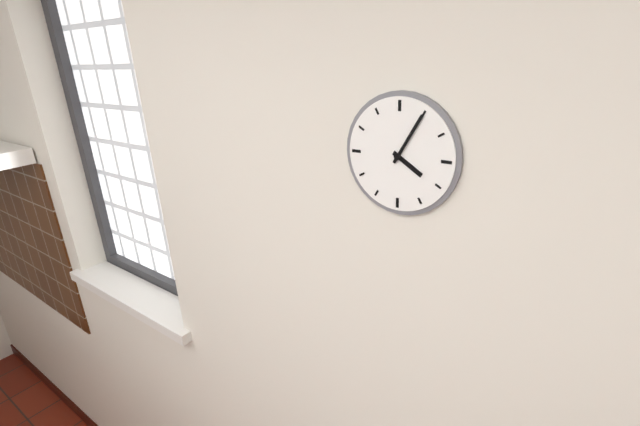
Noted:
4,05
